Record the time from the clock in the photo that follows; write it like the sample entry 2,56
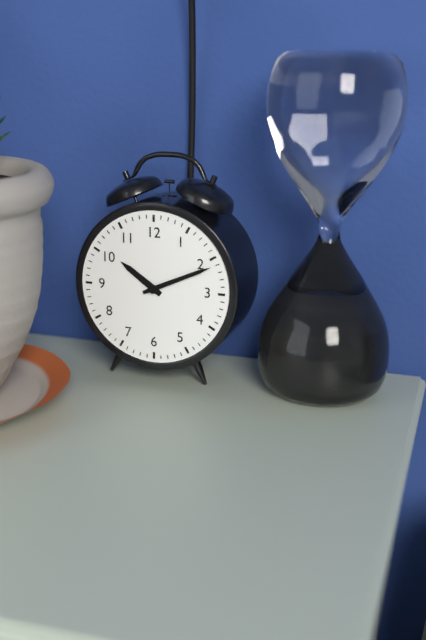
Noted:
10,11
